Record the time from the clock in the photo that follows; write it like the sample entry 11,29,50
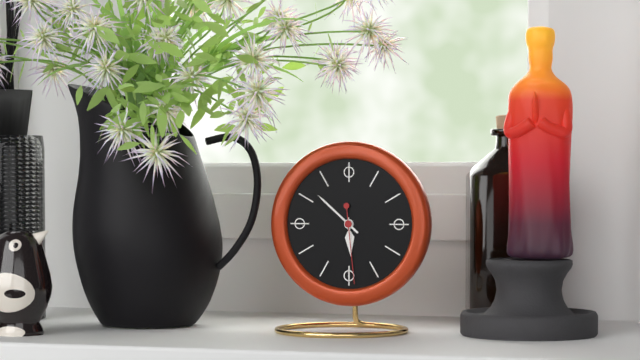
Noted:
5,52,29
